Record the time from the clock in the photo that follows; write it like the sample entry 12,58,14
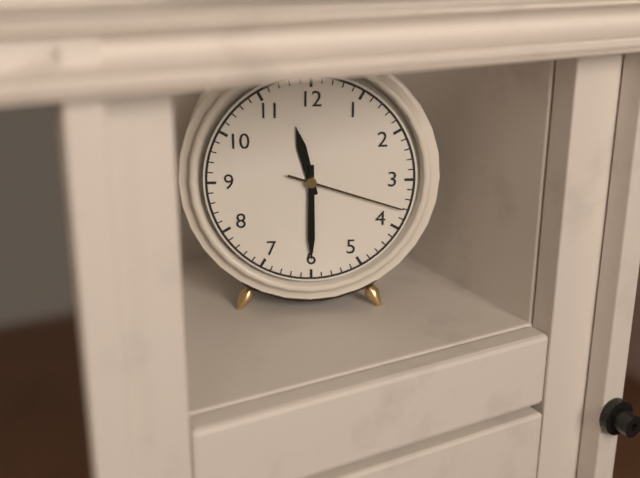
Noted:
11,30,18
